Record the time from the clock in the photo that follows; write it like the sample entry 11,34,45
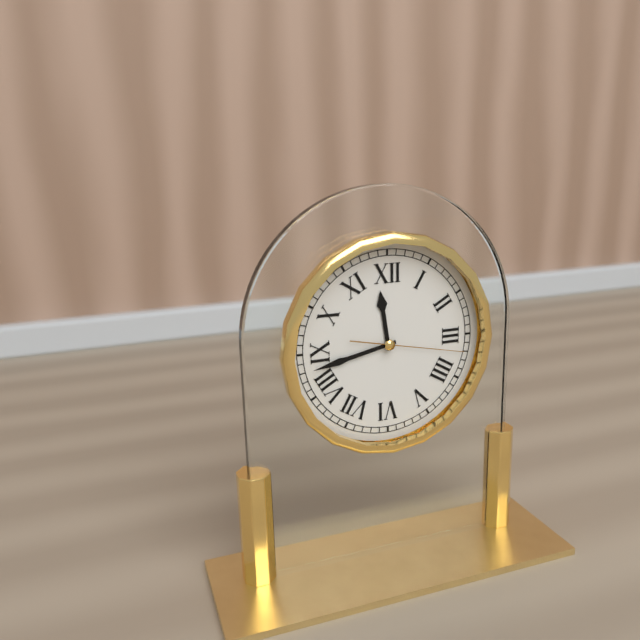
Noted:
11,43,17
